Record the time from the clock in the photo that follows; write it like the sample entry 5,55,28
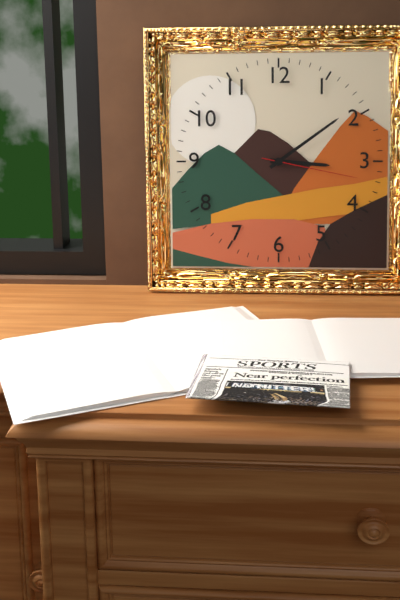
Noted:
3,09,17
